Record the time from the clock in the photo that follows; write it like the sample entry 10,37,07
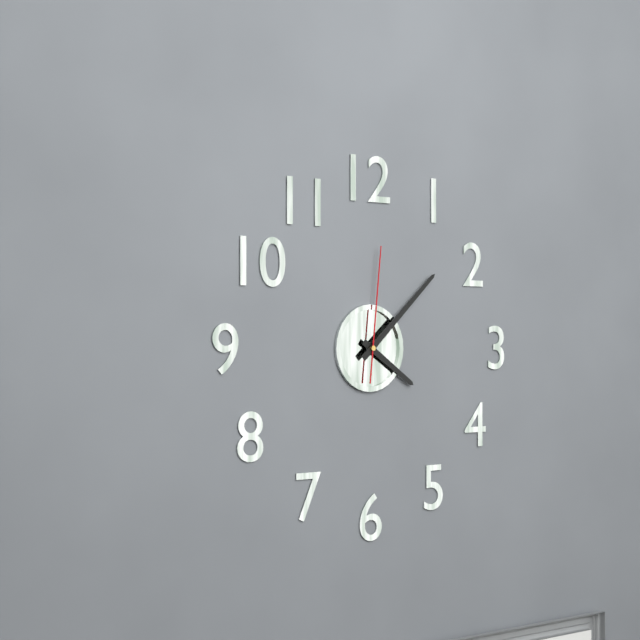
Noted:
4,08,01
